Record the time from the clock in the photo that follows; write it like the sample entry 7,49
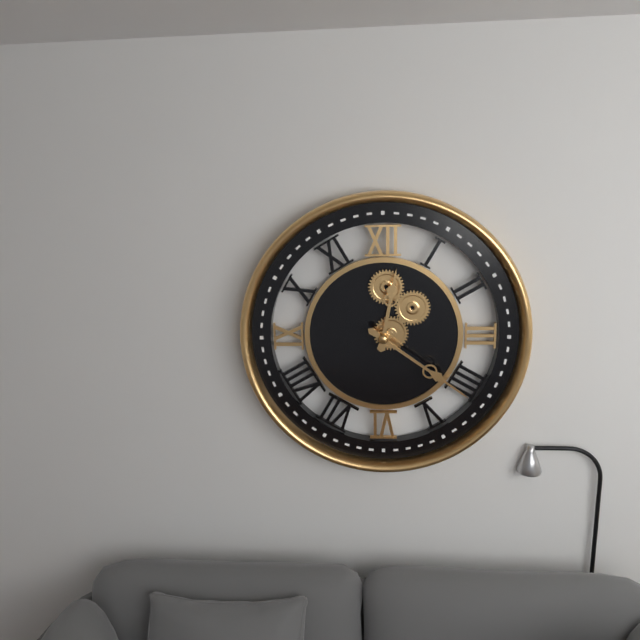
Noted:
12,21
